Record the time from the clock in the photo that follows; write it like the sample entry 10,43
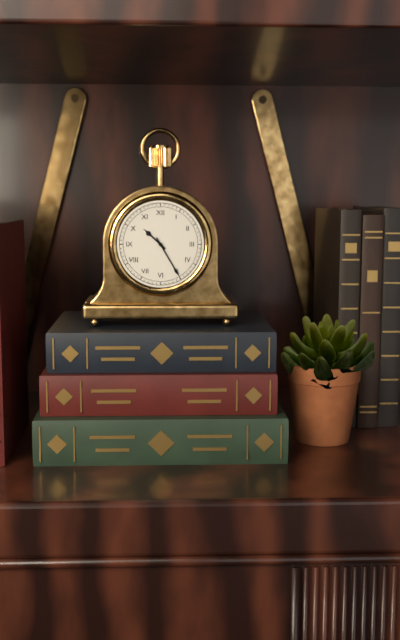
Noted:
10,25
